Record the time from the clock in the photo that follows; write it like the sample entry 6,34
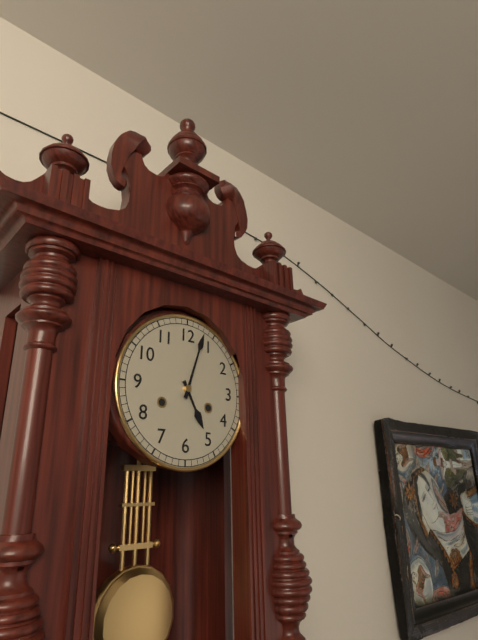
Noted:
5,03
